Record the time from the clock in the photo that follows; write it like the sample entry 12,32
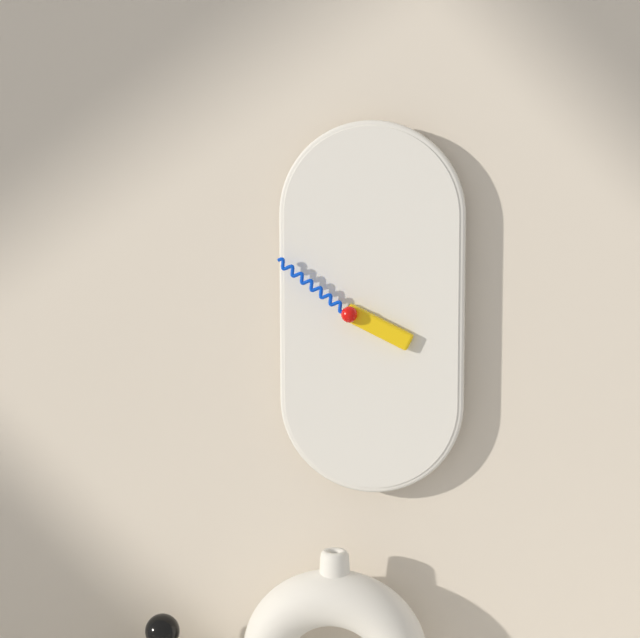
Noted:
3,51
